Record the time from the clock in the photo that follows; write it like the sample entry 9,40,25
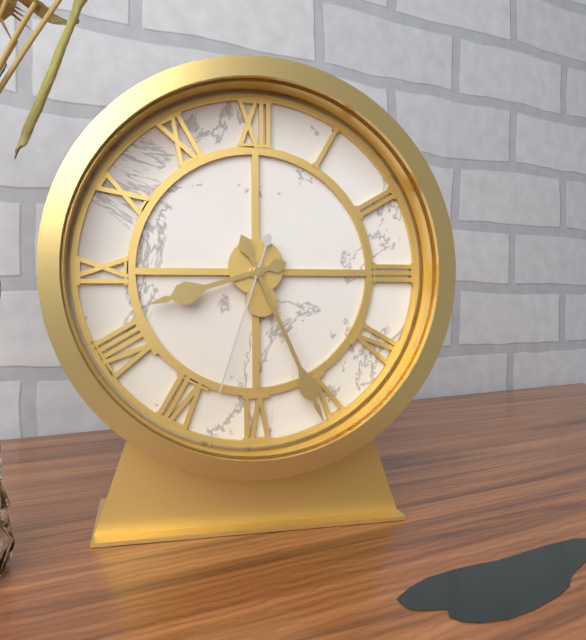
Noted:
8,26,33
